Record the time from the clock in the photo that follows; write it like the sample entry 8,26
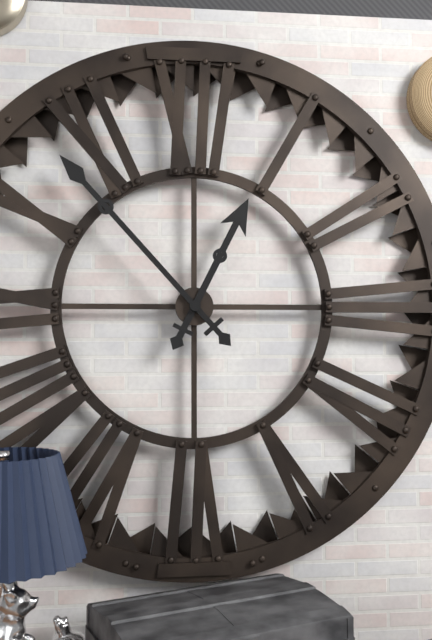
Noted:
12,53
